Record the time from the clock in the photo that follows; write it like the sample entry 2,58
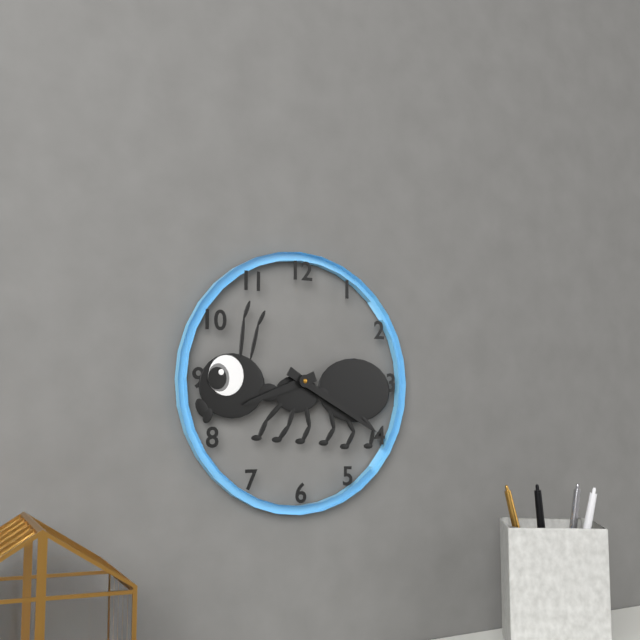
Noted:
8,20
